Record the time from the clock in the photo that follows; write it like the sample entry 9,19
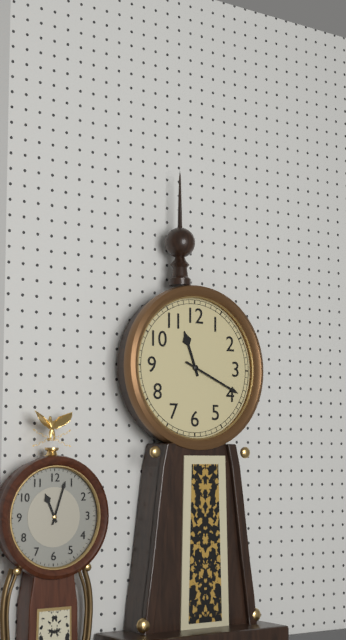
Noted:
11,19
